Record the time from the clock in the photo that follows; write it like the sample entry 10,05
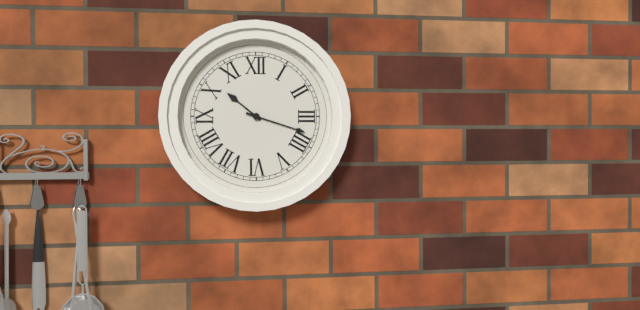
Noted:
10,18
